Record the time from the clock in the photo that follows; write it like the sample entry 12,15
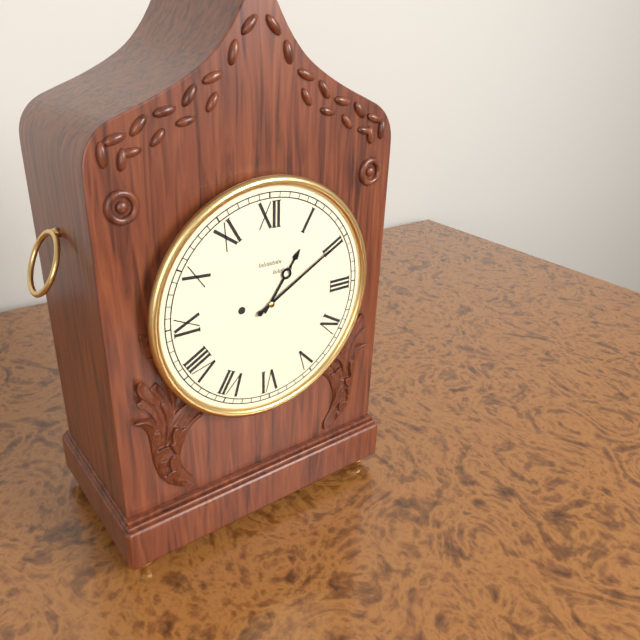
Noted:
1,10
